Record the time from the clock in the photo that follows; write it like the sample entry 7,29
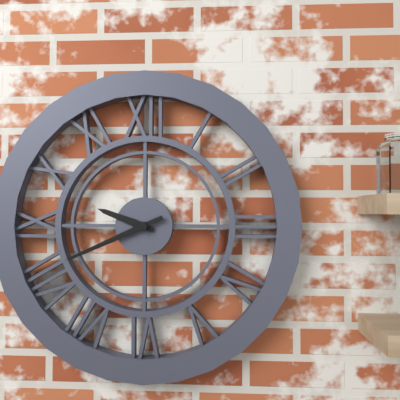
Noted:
9,41
